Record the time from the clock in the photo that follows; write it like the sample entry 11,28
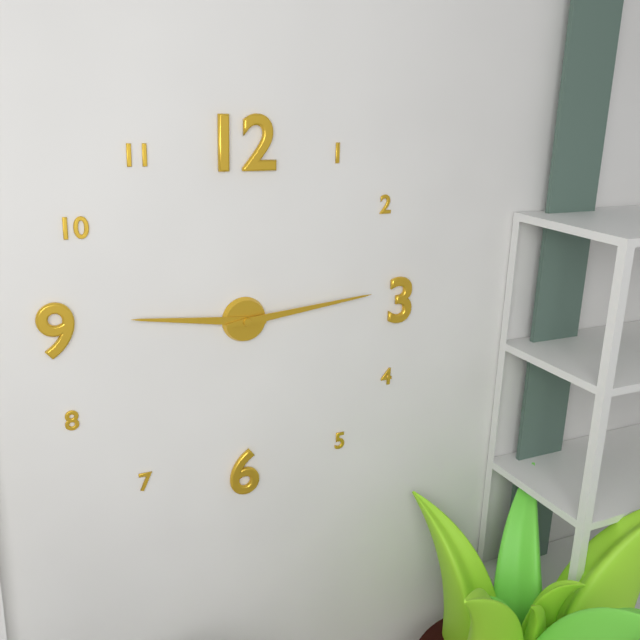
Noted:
9,14
